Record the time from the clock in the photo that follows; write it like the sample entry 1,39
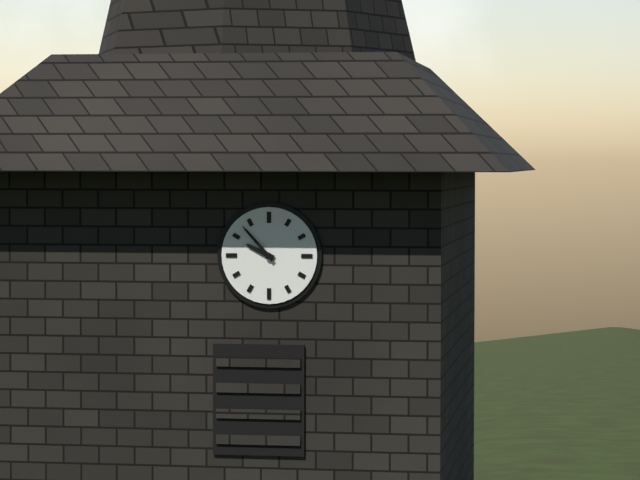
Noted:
9,53
